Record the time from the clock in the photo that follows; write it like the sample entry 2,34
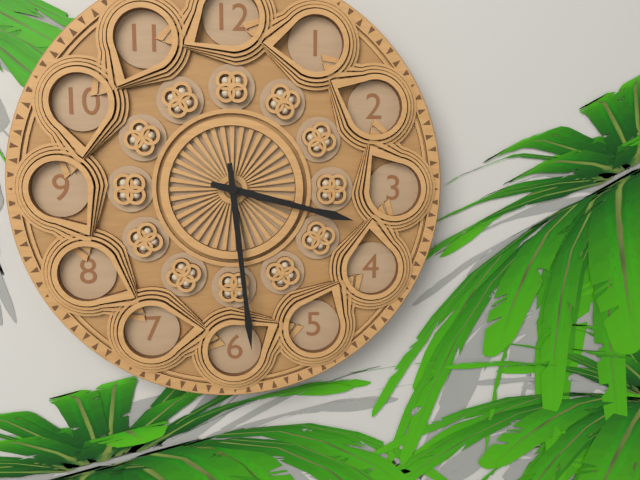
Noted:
3,29
